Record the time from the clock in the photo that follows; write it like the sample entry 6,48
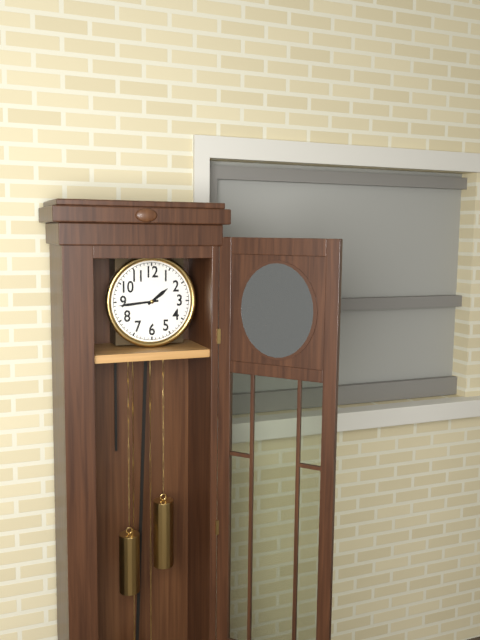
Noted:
1,44
